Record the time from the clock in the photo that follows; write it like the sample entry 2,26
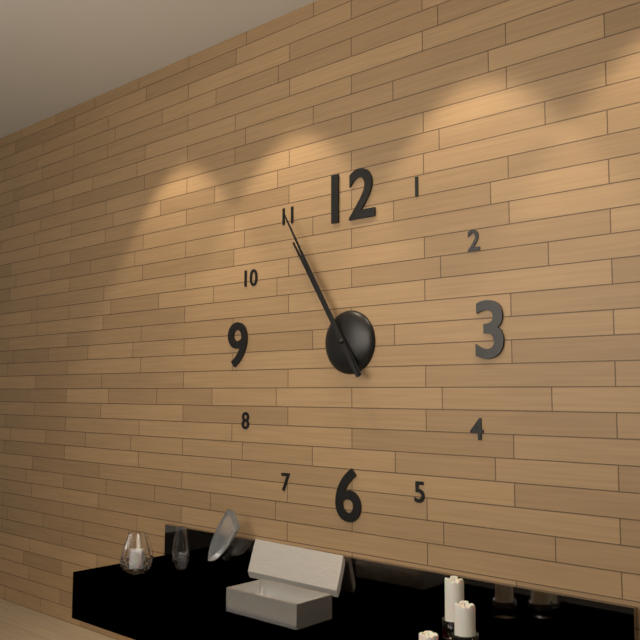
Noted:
10,55
